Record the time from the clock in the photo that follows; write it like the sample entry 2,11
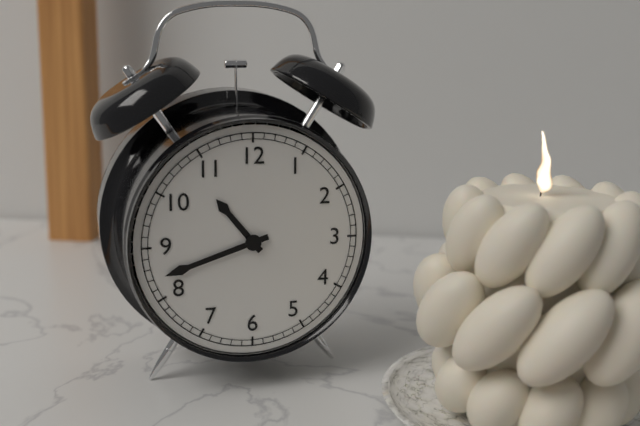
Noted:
10,42
